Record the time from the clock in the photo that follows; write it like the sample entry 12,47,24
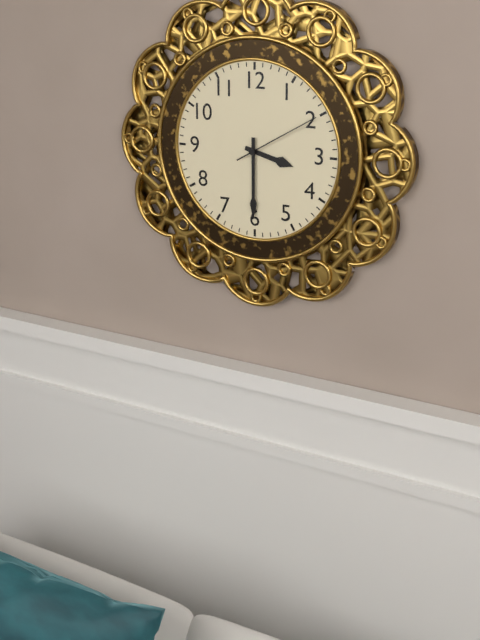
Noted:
3,30,10
